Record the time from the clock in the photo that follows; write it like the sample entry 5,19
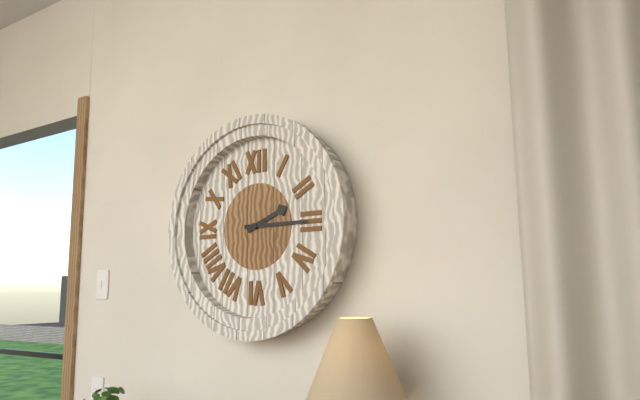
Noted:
2,15
